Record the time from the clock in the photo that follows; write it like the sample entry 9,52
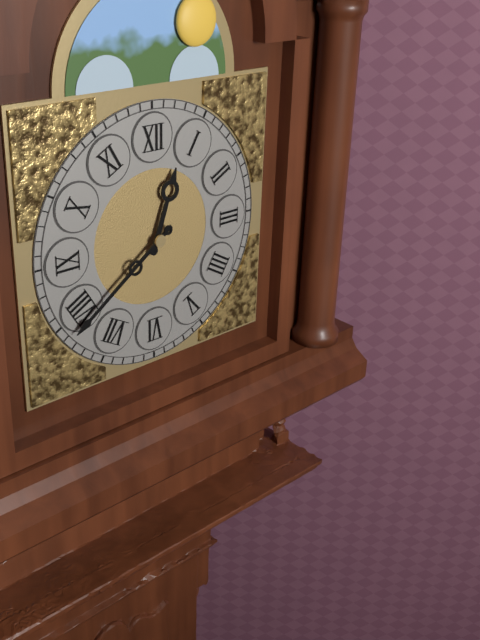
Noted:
12,39
